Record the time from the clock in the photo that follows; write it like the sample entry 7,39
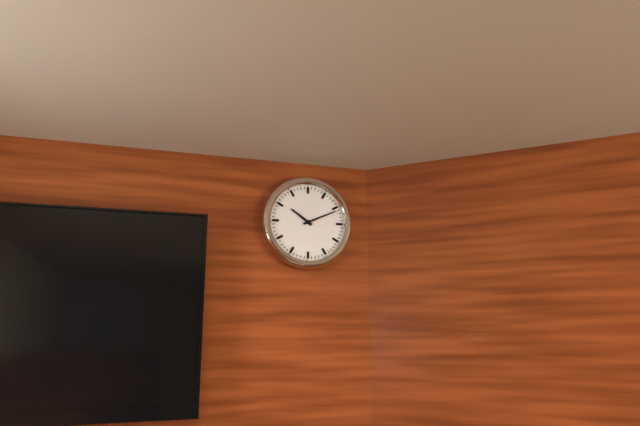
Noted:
10,11
